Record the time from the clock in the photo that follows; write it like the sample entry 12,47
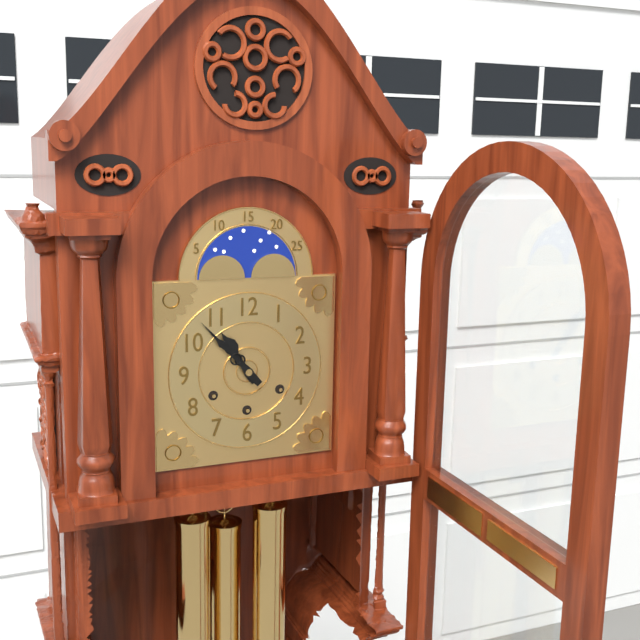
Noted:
10,53
